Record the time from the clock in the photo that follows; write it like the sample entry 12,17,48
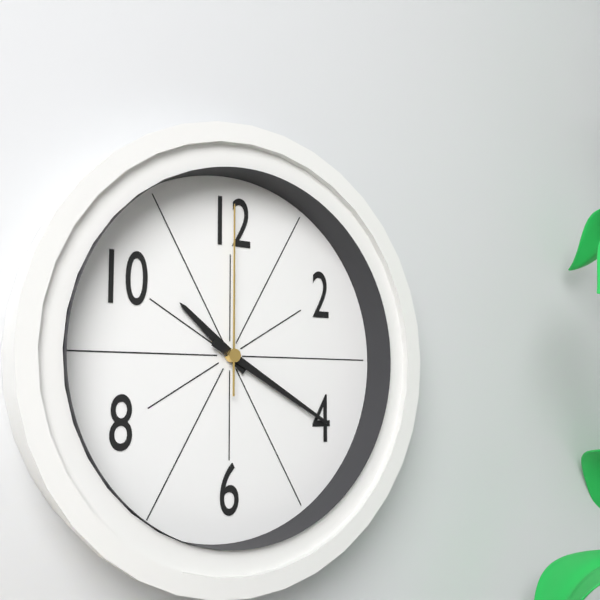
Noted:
10,20,00
